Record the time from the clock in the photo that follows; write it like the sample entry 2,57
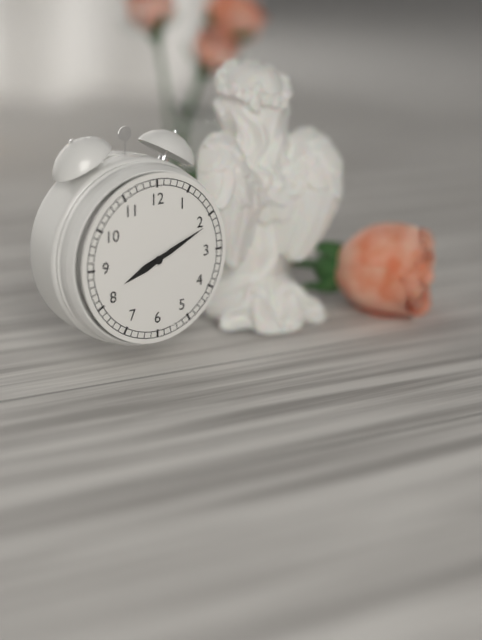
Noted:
8,11
